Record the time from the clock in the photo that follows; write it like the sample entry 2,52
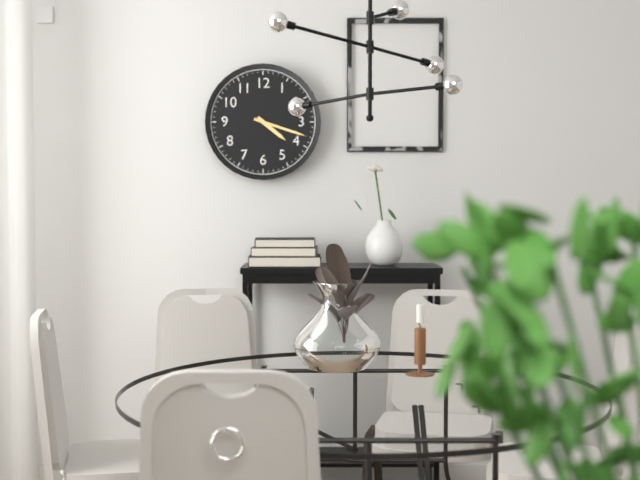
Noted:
4,18
